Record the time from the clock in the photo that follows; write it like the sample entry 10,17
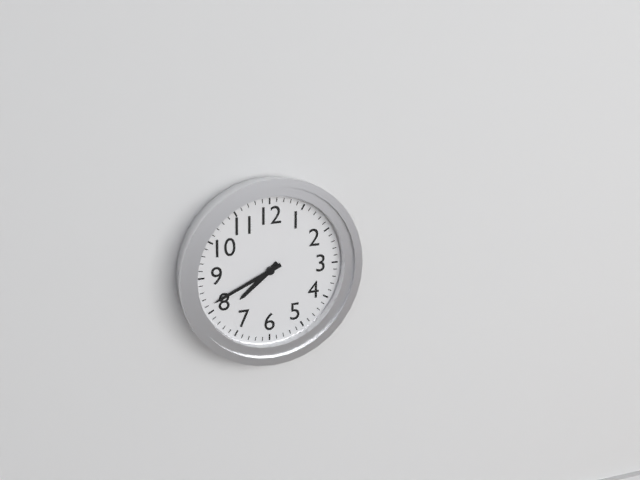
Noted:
7,41
